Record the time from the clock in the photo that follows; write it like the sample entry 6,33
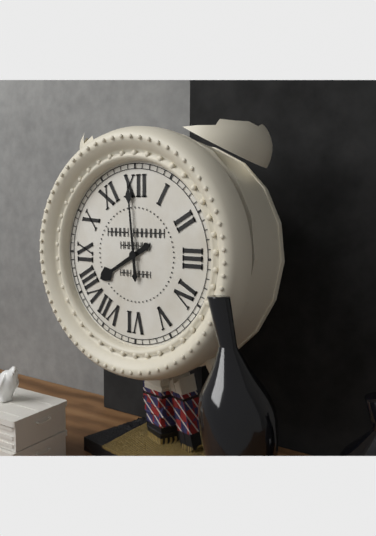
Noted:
7,59
